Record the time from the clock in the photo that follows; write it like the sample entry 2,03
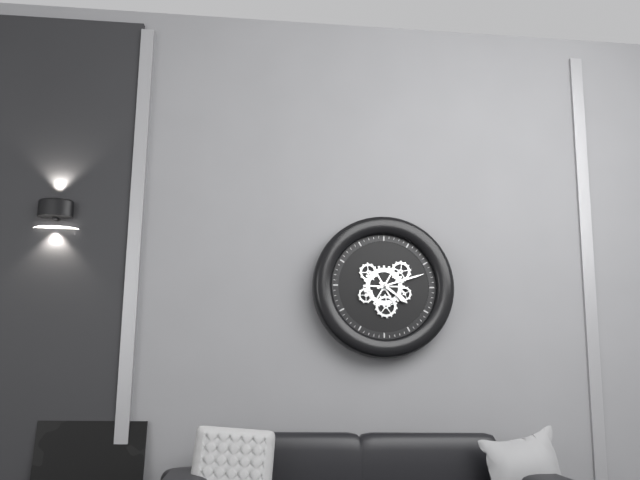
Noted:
4,12
